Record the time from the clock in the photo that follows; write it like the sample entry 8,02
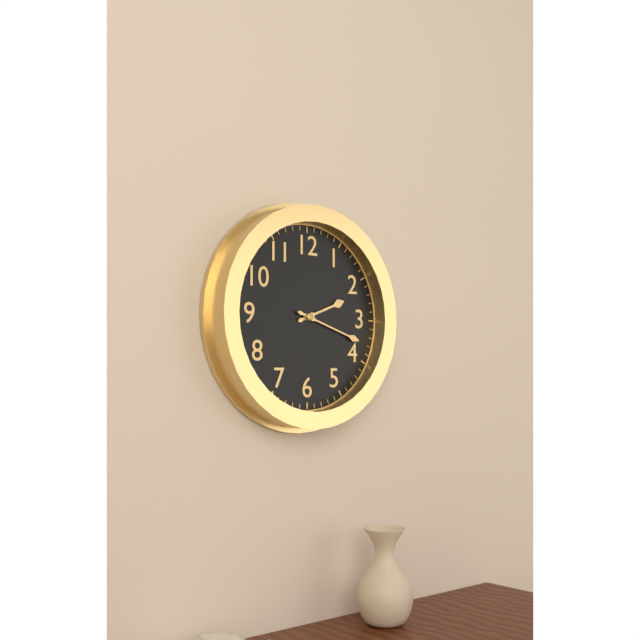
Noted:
2,18
